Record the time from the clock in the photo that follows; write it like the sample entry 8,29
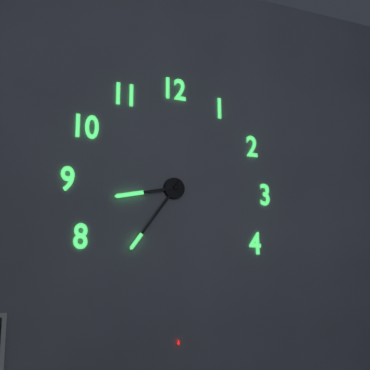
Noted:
8,36
